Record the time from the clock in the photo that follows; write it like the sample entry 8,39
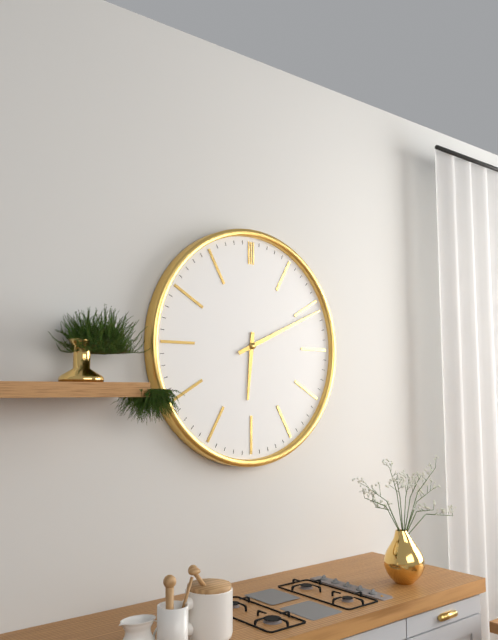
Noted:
6,11
